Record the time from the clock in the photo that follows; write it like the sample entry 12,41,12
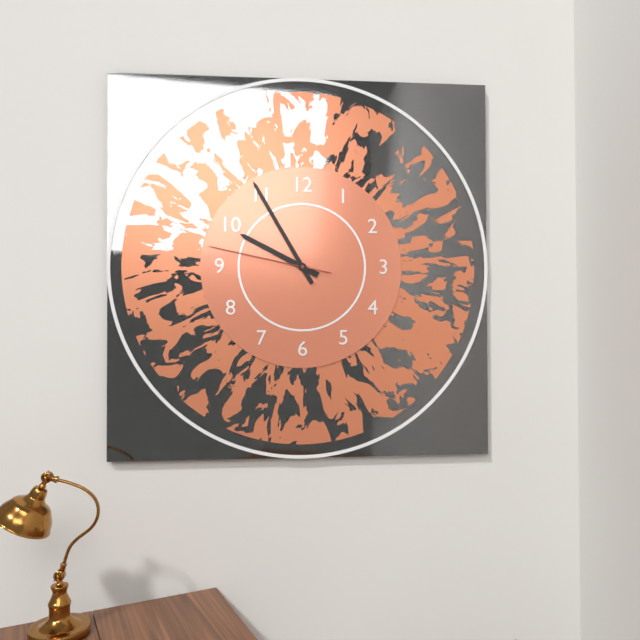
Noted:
9,55,47
